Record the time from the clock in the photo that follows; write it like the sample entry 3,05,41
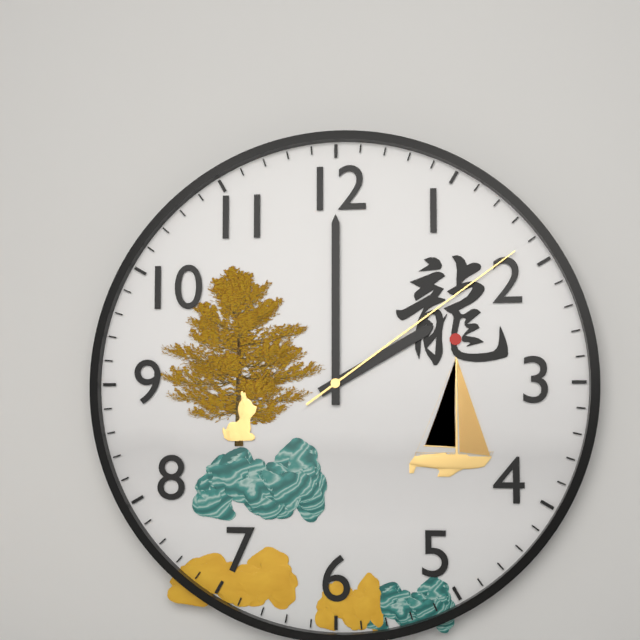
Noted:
2,00,09
